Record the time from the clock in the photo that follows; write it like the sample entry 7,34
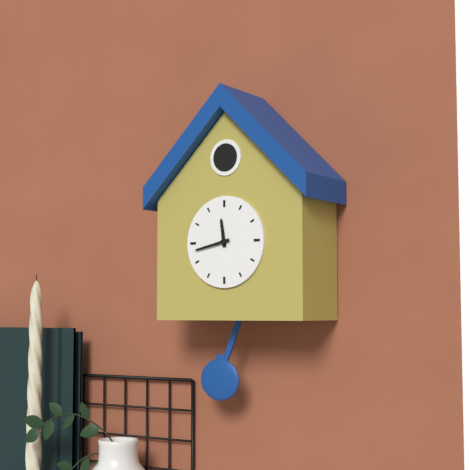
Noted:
11,43
